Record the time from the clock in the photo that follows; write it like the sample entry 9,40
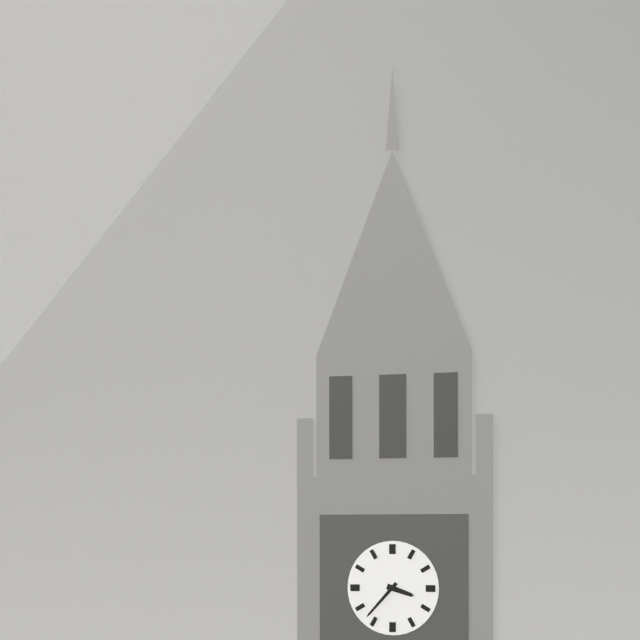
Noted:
3,37
